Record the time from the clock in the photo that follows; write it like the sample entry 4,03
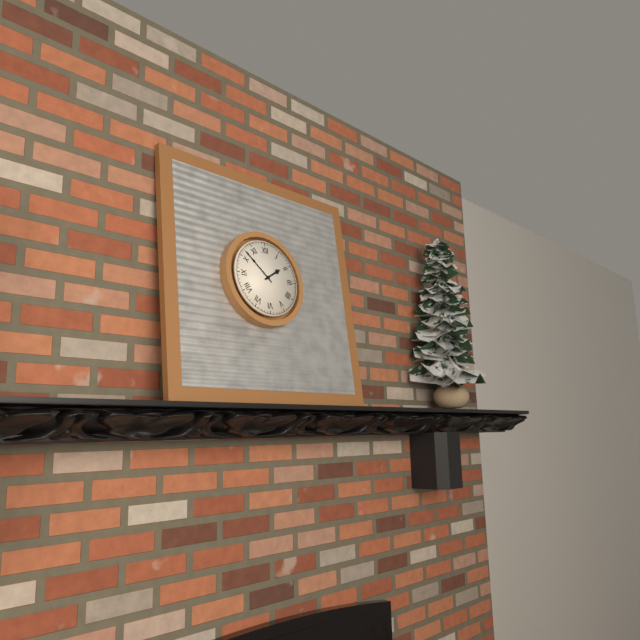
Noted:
1,52
